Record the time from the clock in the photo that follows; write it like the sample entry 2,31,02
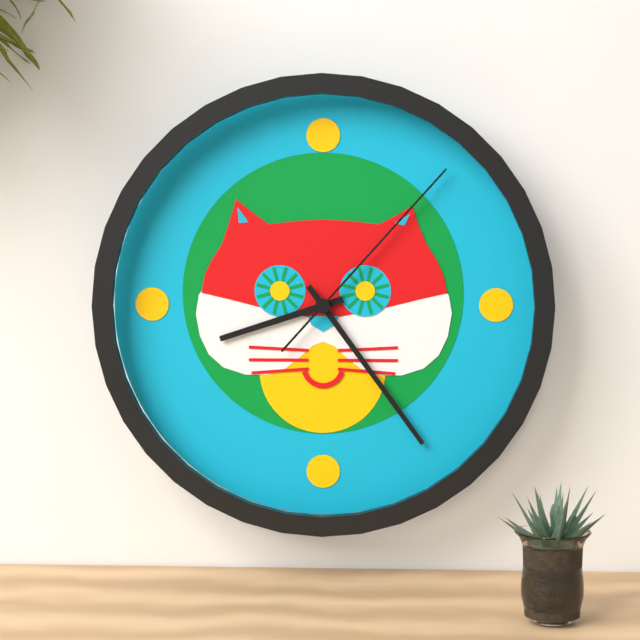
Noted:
8,24,07
